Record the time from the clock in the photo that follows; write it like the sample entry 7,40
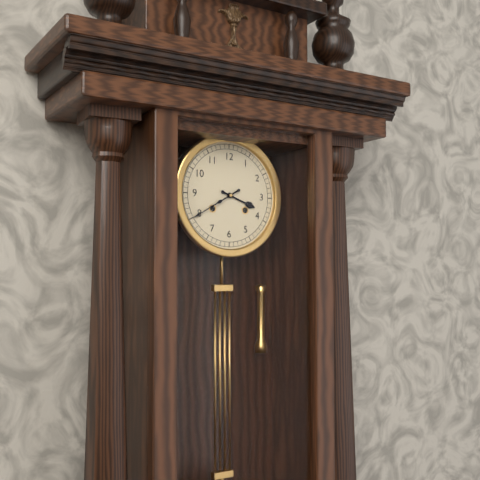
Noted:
3,40
